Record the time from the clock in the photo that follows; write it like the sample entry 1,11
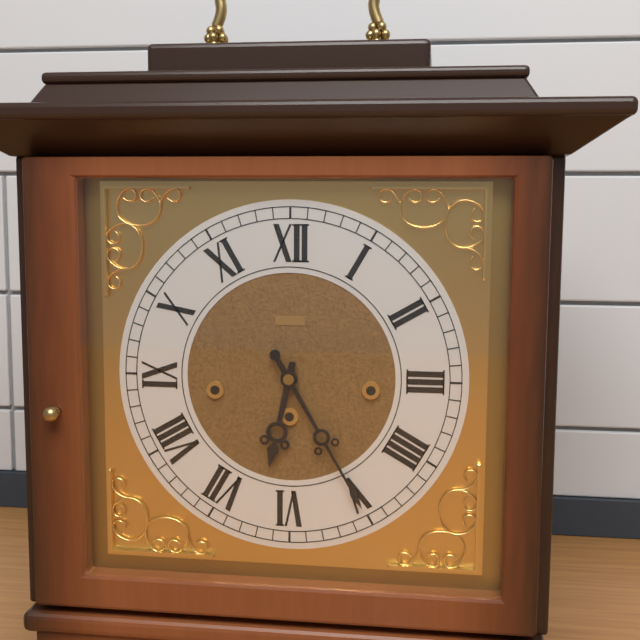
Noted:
6,25
